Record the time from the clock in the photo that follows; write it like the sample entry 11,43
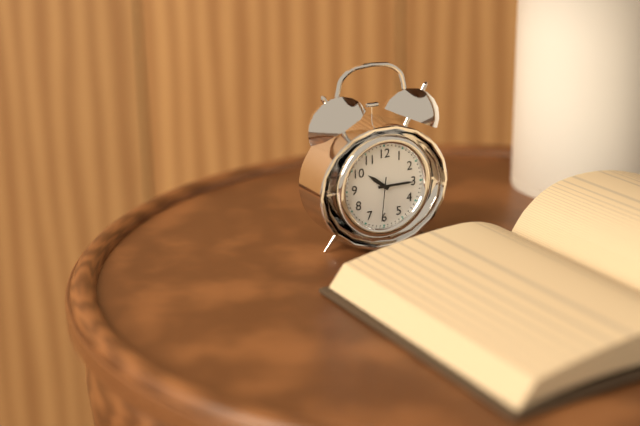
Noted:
10,15
